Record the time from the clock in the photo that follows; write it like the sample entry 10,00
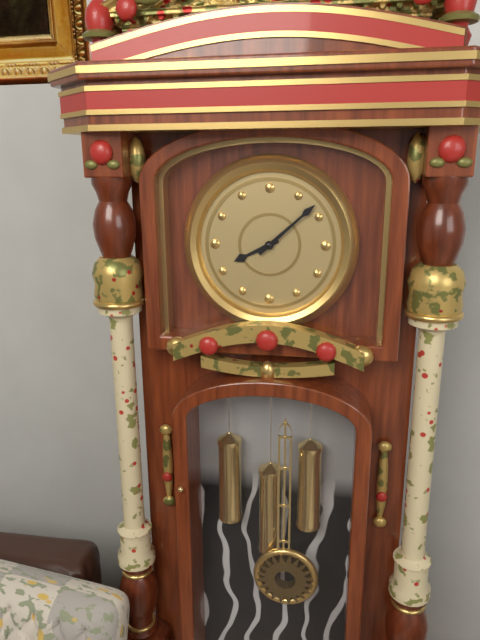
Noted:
8,08
